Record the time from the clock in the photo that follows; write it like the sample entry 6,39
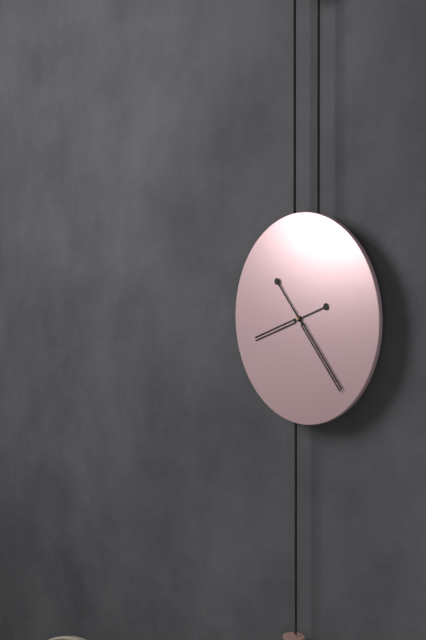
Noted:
8,23
